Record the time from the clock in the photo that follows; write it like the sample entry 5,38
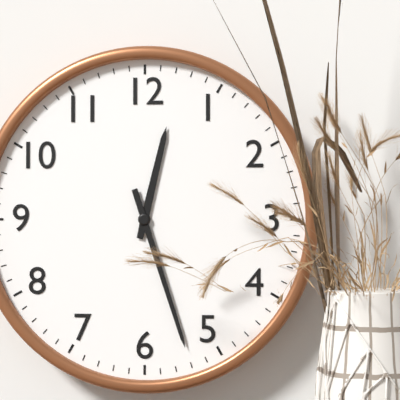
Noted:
12,27
